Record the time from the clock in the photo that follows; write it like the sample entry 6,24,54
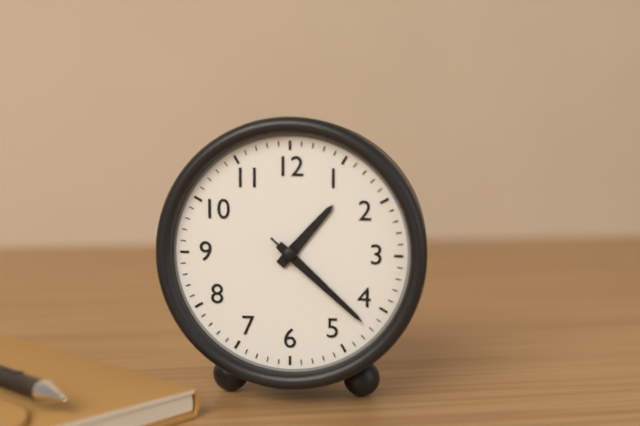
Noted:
1,22,22
